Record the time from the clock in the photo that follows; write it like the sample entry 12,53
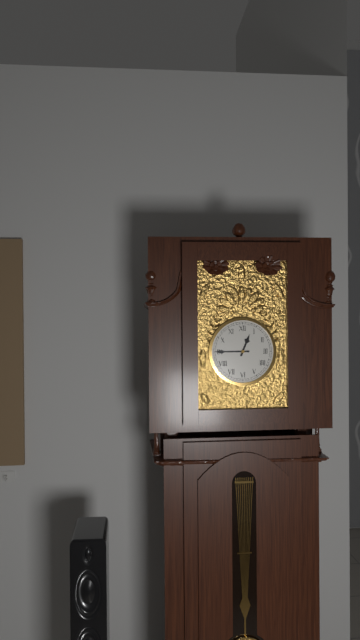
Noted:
12,45
